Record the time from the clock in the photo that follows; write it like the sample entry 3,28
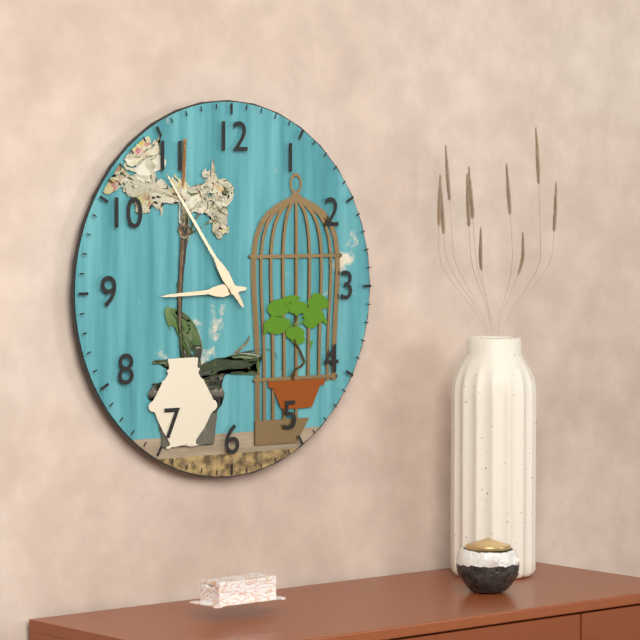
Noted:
8,54
